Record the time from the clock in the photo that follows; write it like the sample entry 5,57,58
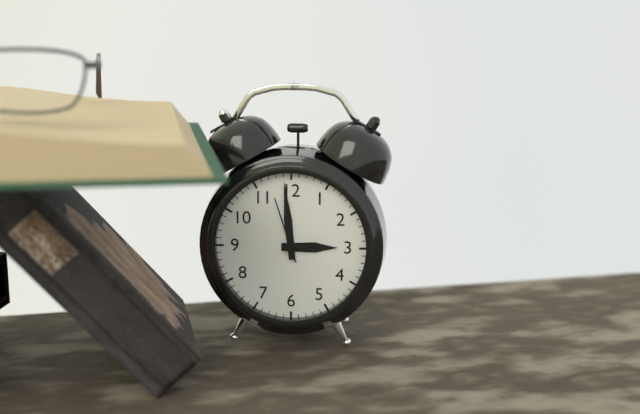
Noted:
2,59,57
